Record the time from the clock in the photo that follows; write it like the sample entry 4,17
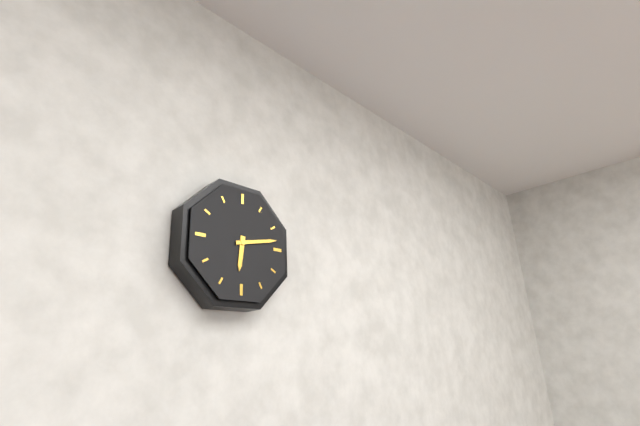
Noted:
6,13
